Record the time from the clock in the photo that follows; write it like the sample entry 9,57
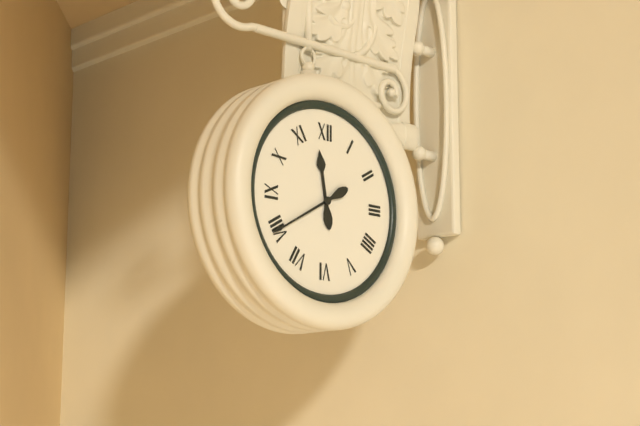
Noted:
11,40
